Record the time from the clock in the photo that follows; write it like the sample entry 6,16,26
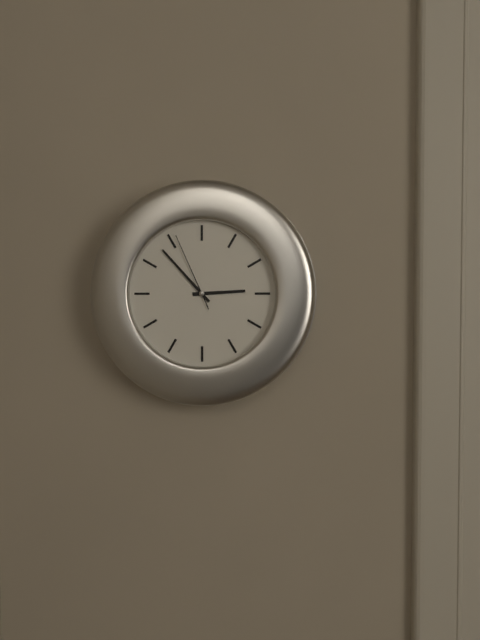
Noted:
2,53,56
